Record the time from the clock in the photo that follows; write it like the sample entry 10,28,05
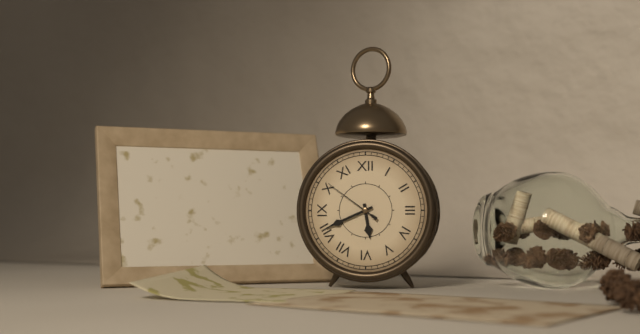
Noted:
5,41,51
